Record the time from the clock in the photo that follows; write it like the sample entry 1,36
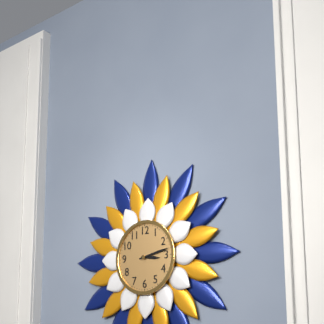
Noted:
3,13
